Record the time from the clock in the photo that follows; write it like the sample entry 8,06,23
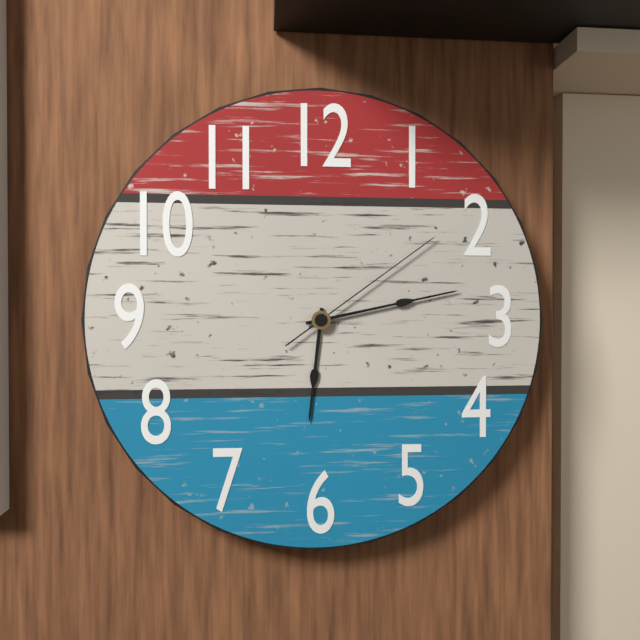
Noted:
6,13,09
